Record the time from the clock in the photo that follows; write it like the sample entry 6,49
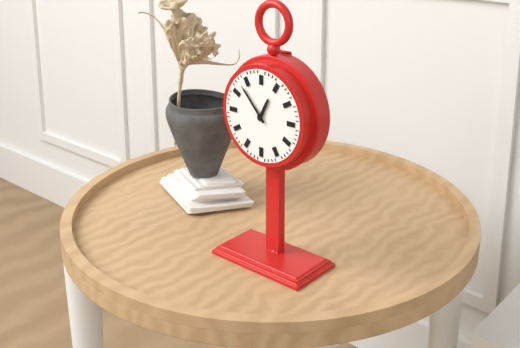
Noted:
12,53
